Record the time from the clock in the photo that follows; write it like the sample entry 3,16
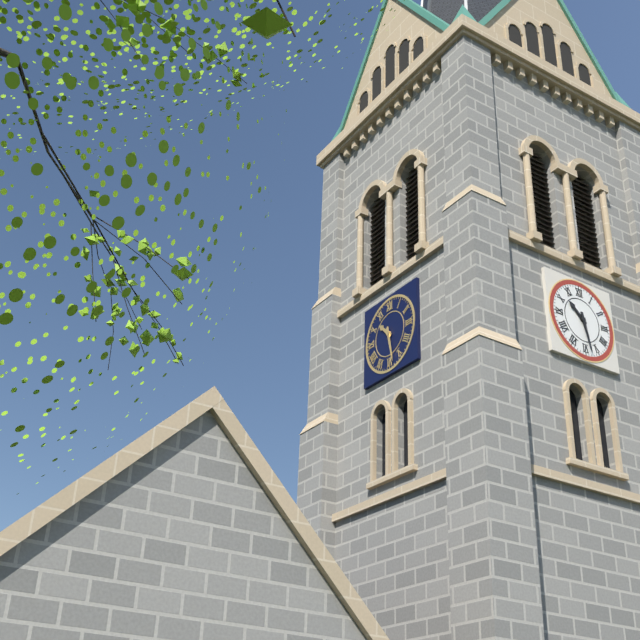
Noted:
10,28
